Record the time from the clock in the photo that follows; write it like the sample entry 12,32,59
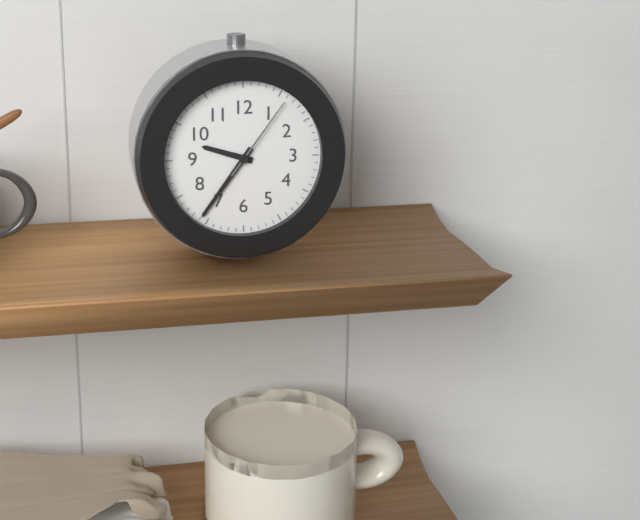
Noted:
9,36,06
